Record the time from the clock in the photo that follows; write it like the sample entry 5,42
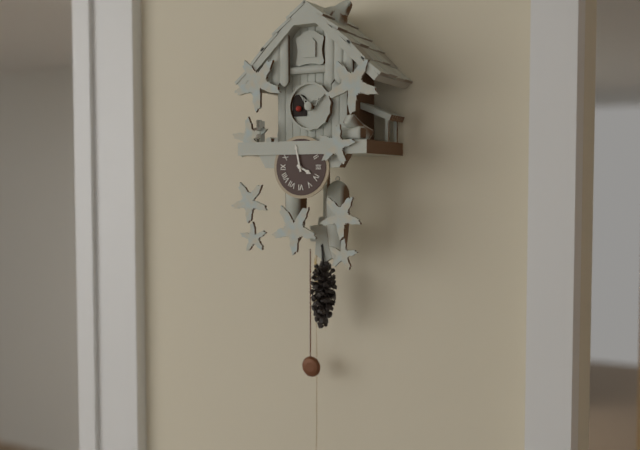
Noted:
3,58
